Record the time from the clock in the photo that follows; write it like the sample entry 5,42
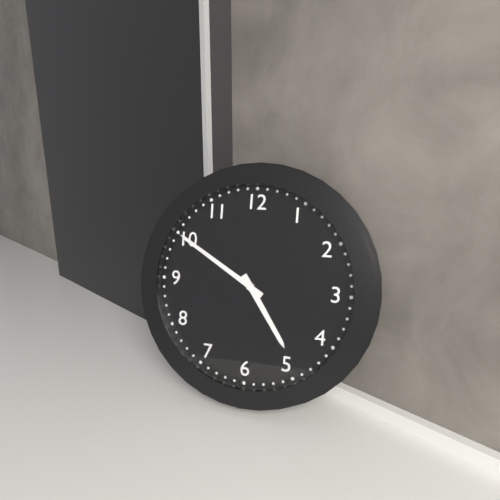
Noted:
4,50
